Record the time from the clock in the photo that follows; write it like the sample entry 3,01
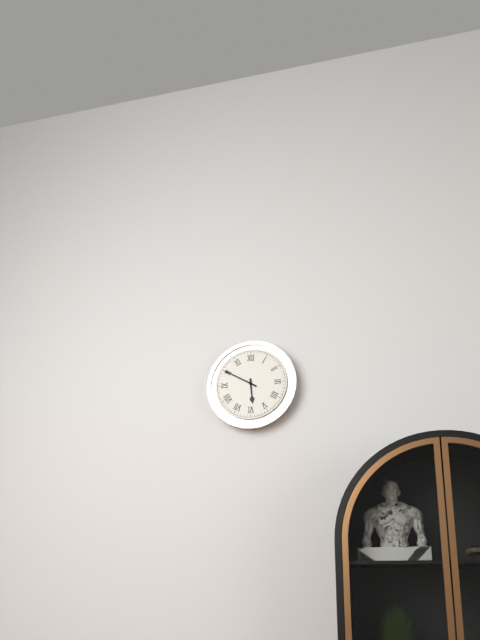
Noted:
5,50
